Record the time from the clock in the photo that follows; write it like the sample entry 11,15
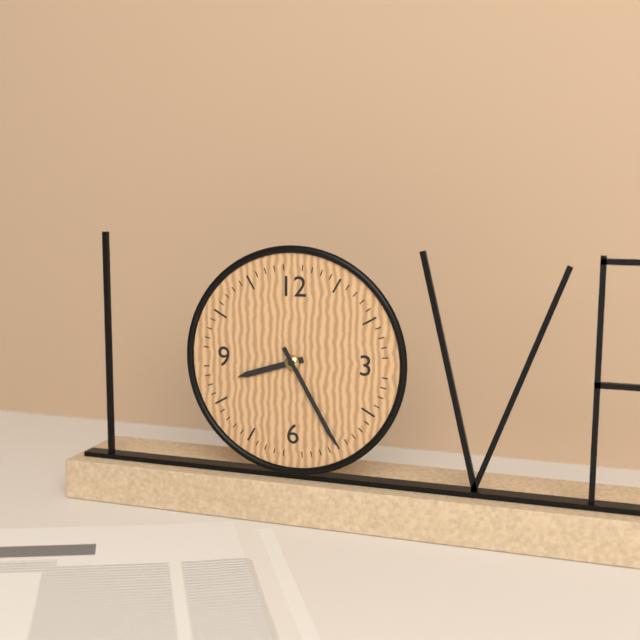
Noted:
8,25
